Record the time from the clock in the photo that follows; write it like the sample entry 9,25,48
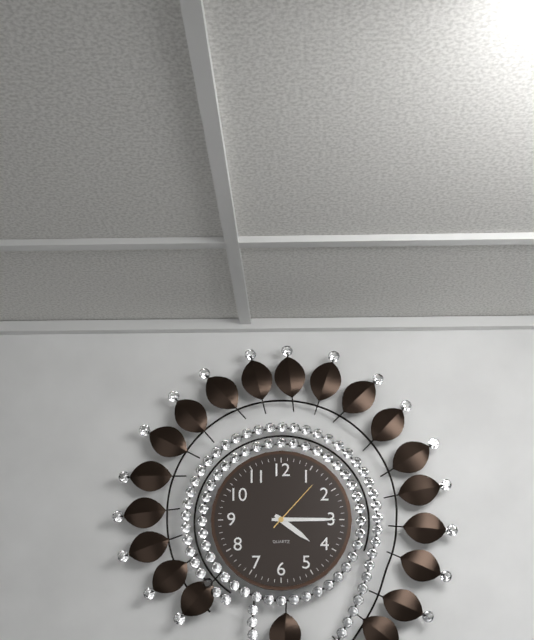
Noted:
4,15,07
